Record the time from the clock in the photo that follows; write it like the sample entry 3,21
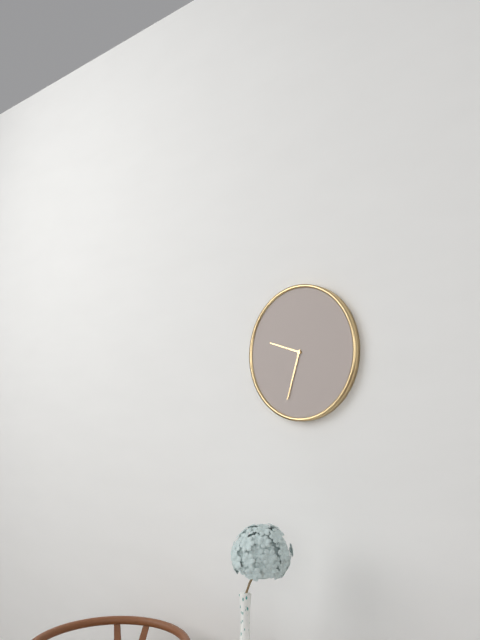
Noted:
9,33
